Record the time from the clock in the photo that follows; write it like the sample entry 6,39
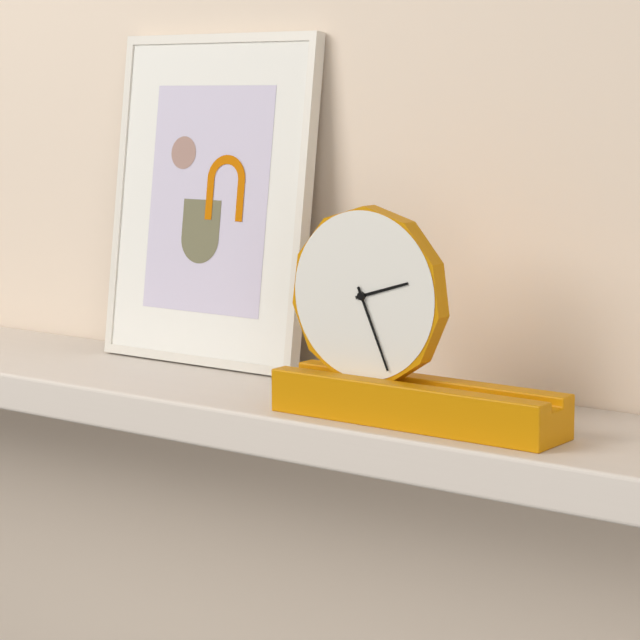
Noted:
2,26
